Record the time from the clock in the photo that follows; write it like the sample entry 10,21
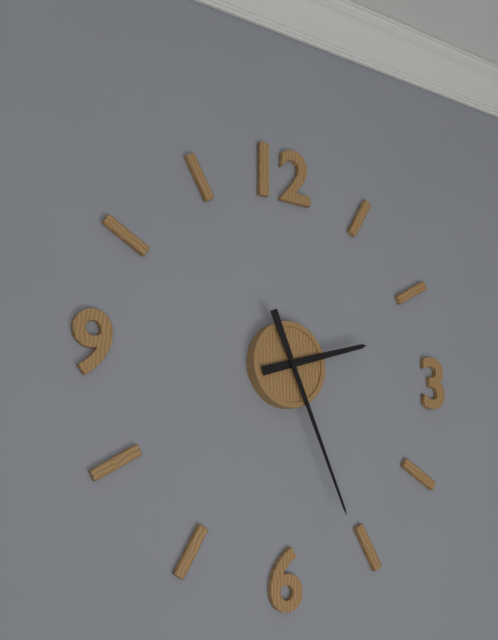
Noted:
2,26
